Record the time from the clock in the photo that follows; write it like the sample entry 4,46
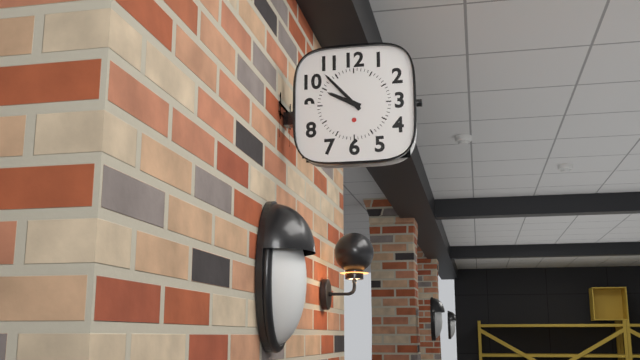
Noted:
9,53
